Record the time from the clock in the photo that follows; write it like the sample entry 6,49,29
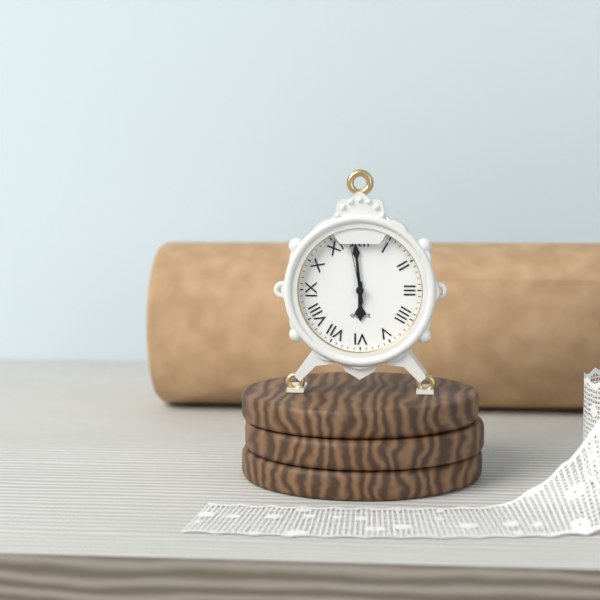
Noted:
5,59,58
